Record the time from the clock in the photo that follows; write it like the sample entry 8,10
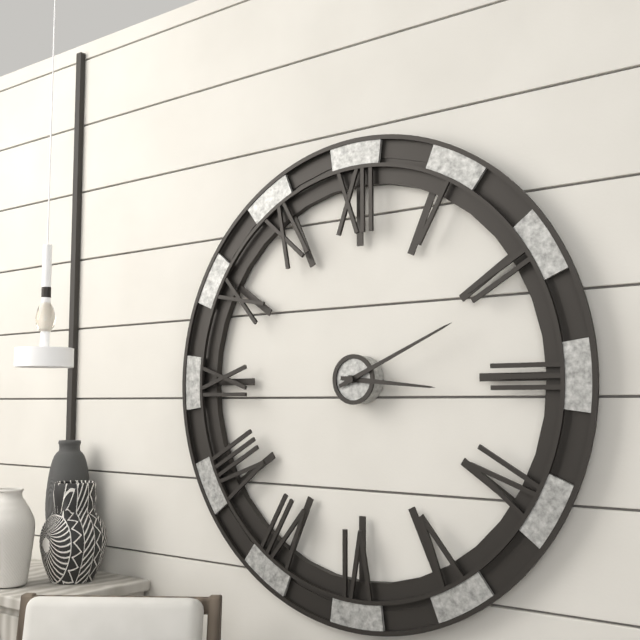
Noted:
3,11
